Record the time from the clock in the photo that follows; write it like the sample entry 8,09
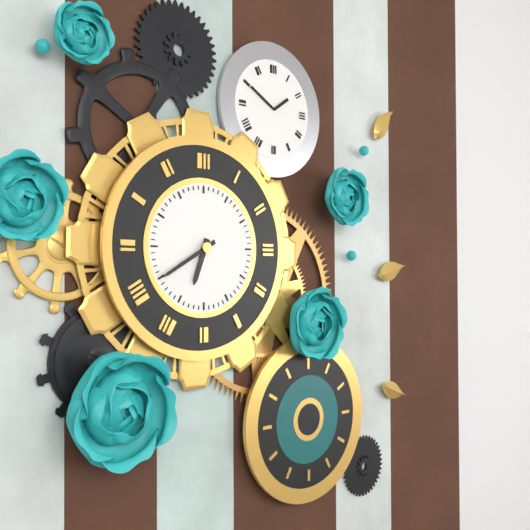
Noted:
6,40
